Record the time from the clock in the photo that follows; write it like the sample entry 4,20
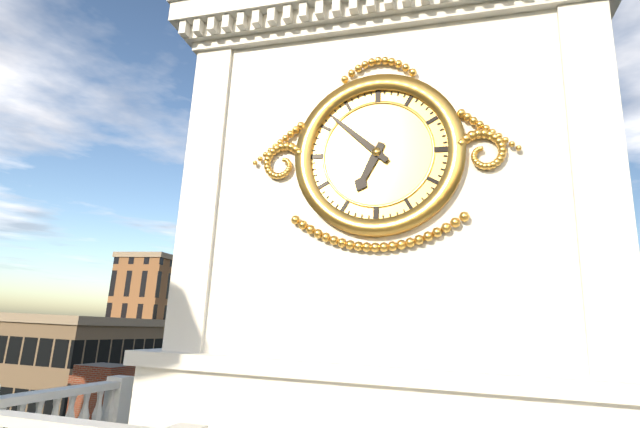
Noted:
6,52
